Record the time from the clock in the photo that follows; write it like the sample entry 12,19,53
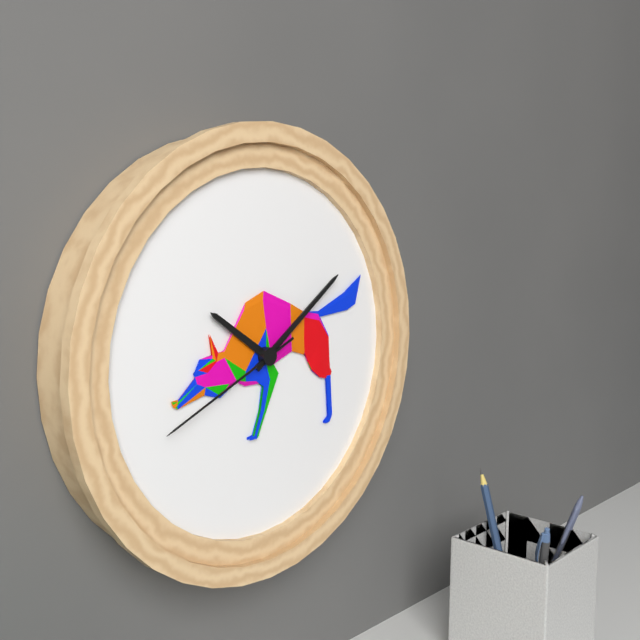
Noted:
10,09,41
